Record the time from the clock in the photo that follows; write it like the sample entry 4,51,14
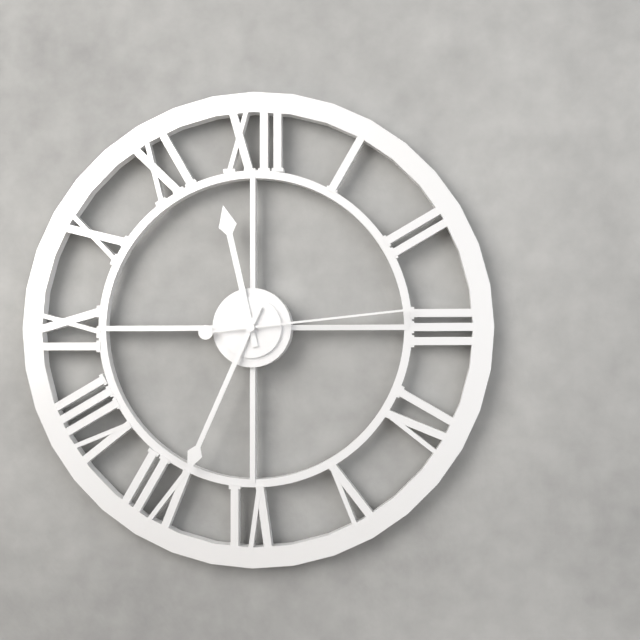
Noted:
11,34,14
